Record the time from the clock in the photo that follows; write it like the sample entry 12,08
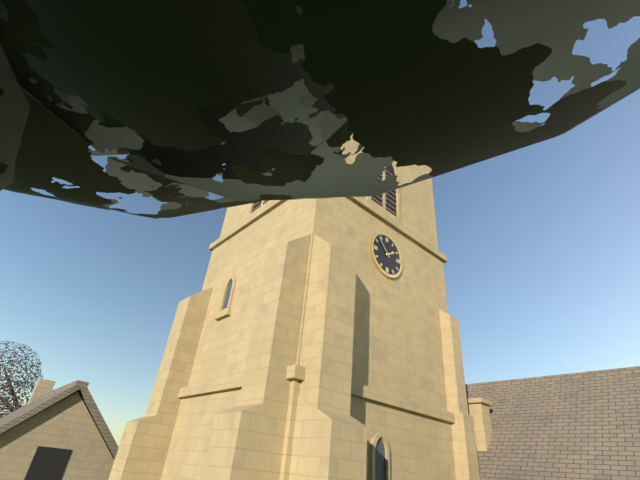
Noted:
1,53
